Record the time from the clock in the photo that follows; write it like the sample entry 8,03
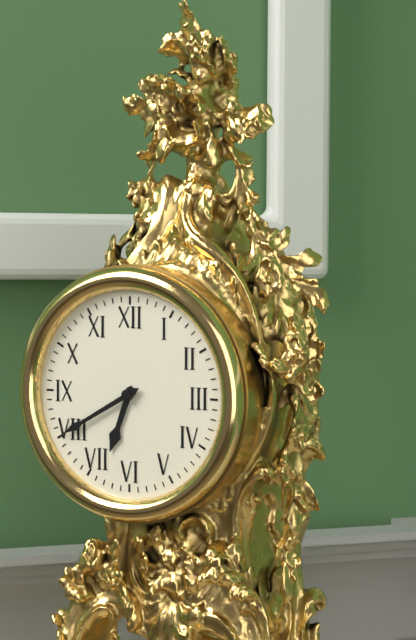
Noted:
6,40
